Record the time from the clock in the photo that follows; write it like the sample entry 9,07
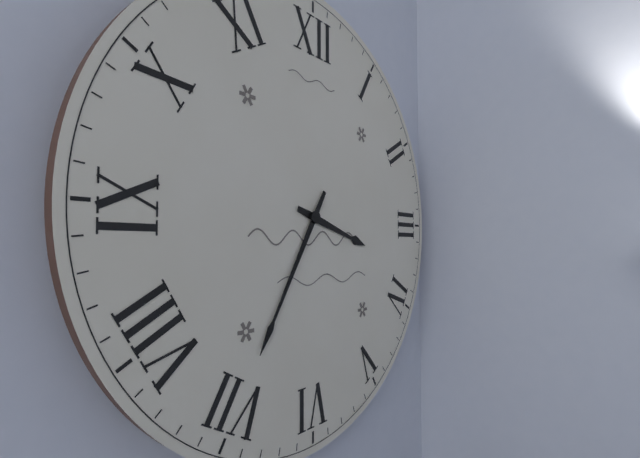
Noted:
3,35
